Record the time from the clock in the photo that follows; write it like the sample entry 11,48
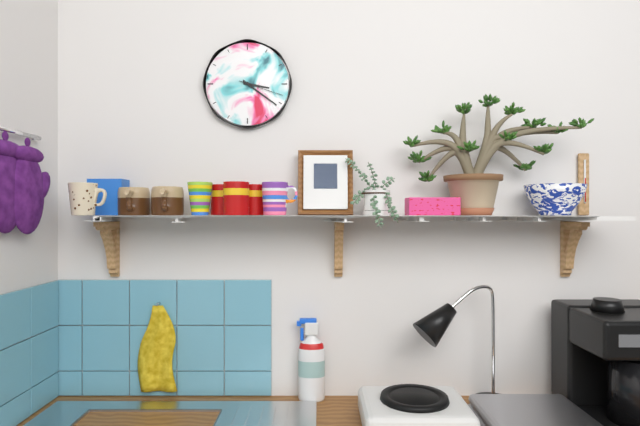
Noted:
3,21
